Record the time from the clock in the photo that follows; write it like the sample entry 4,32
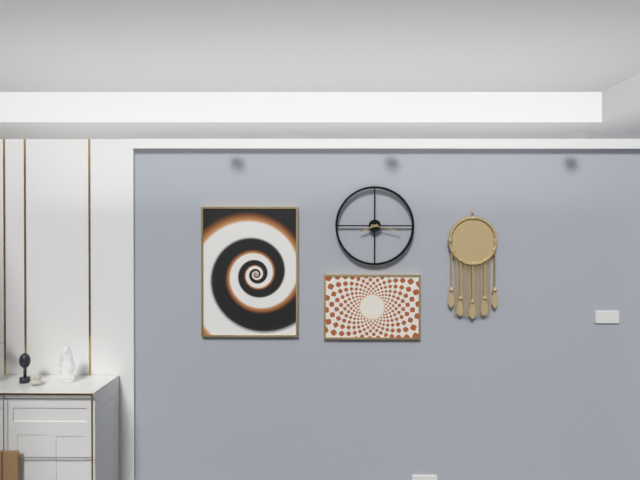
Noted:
8,17
